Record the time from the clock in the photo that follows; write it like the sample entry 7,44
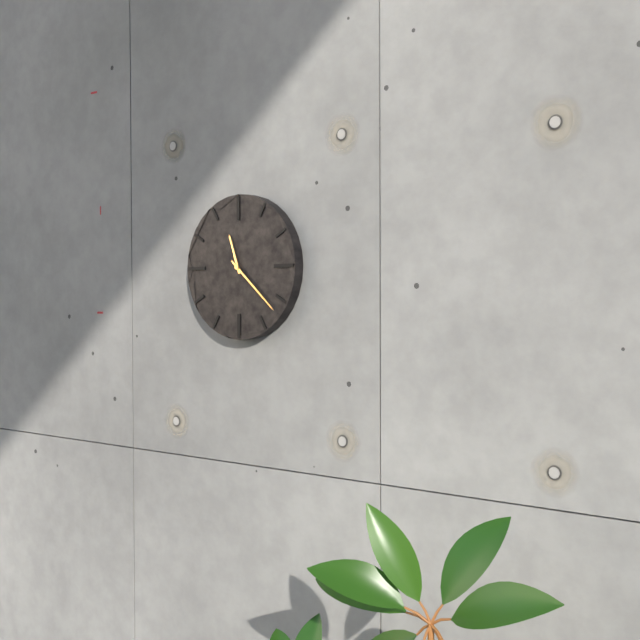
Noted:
11,22
